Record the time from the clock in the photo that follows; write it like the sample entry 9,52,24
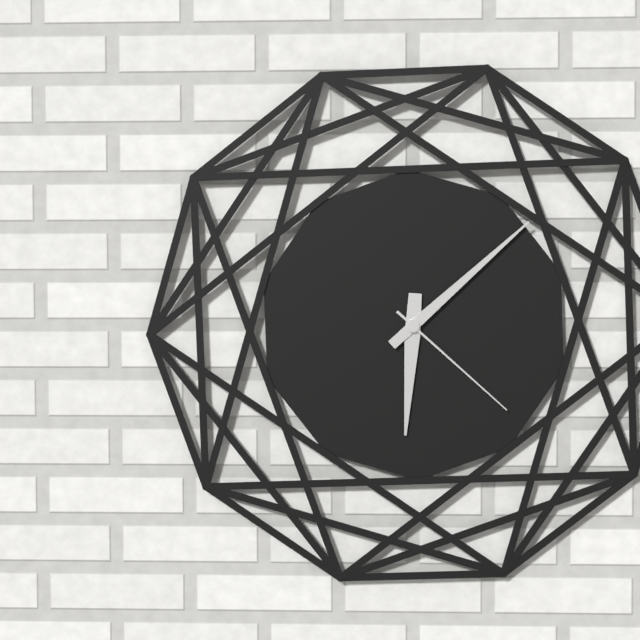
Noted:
6,08,22
